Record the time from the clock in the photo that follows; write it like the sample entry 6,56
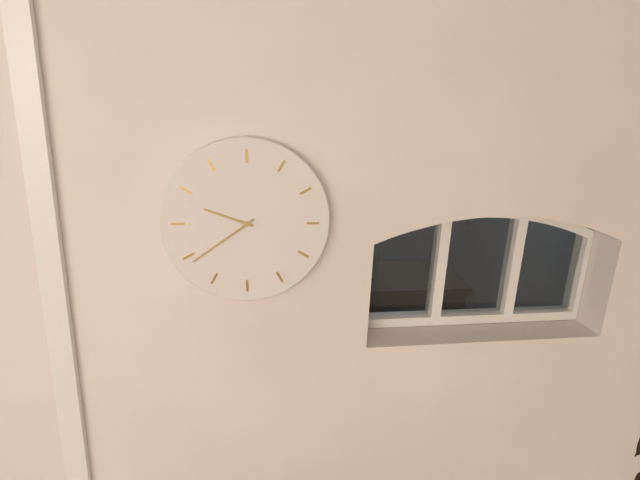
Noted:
9,39
